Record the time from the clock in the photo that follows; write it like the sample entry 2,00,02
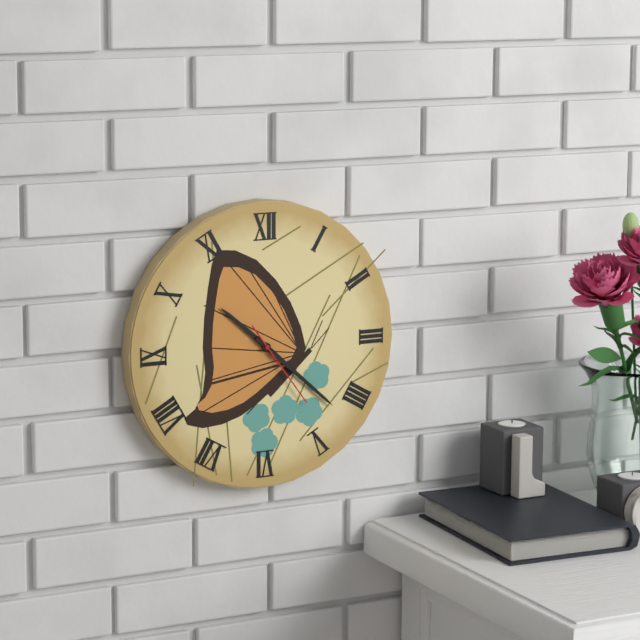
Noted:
10,22,24
